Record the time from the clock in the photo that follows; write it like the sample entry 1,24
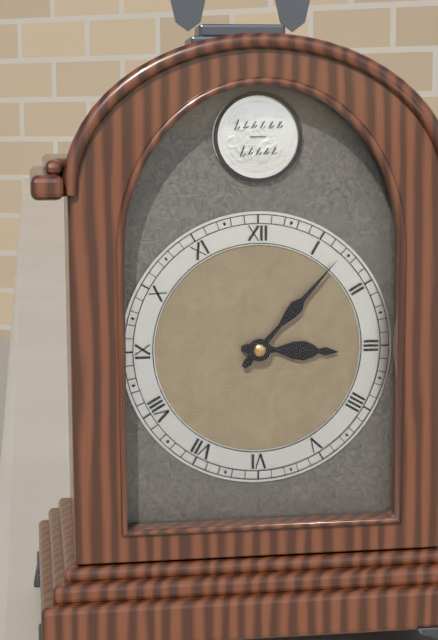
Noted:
3,07
